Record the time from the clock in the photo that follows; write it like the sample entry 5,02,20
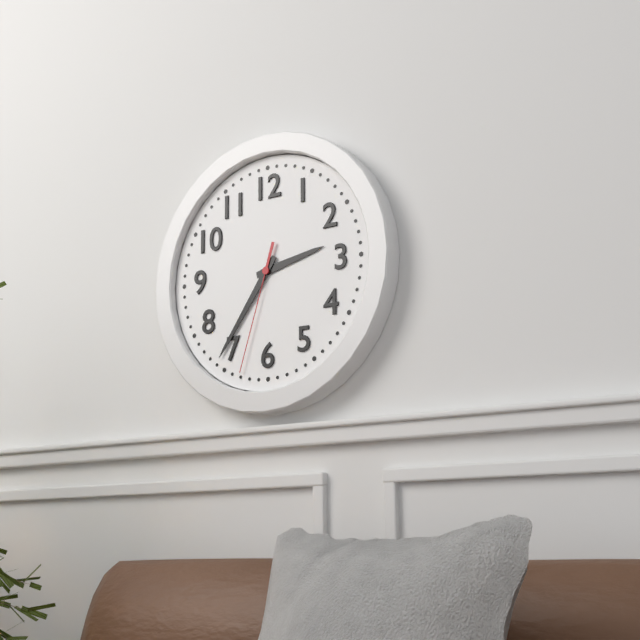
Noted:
2,36,33
